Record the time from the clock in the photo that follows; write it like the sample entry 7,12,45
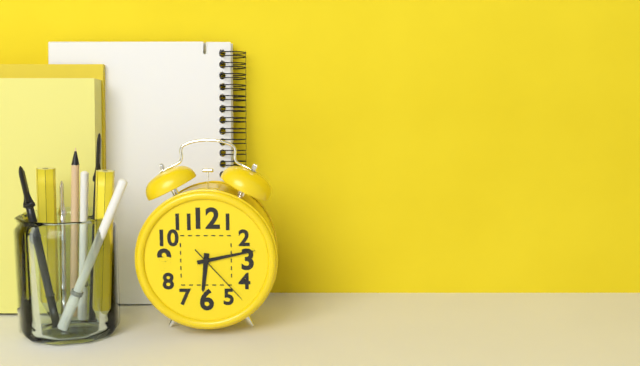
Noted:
6,13,23
